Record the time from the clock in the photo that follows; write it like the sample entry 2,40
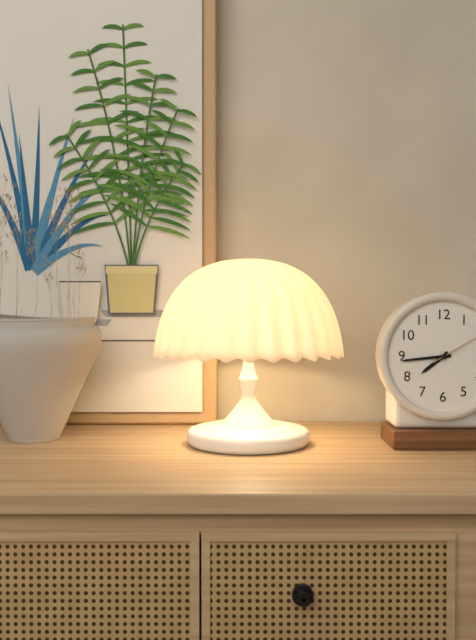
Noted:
7,44
